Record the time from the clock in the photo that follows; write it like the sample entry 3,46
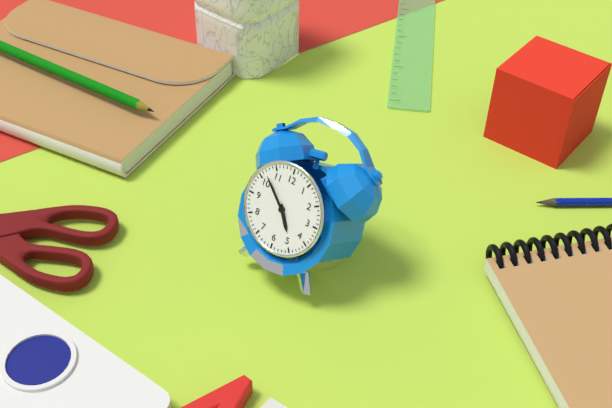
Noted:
4,52
